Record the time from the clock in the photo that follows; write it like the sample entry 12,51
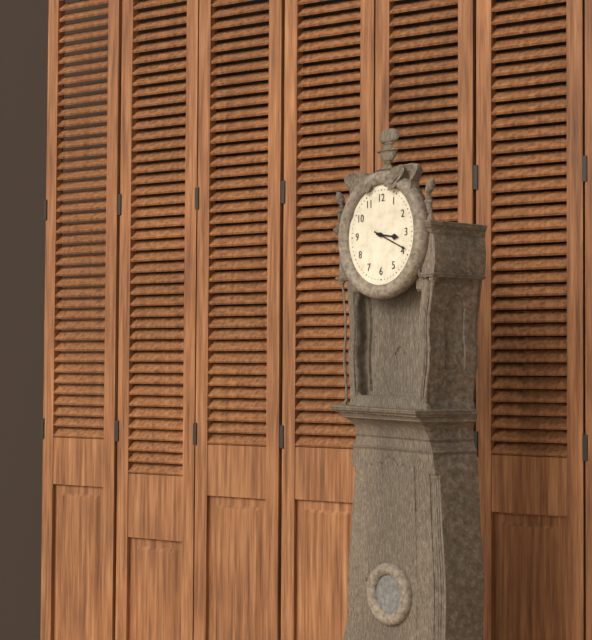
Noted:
3,19
